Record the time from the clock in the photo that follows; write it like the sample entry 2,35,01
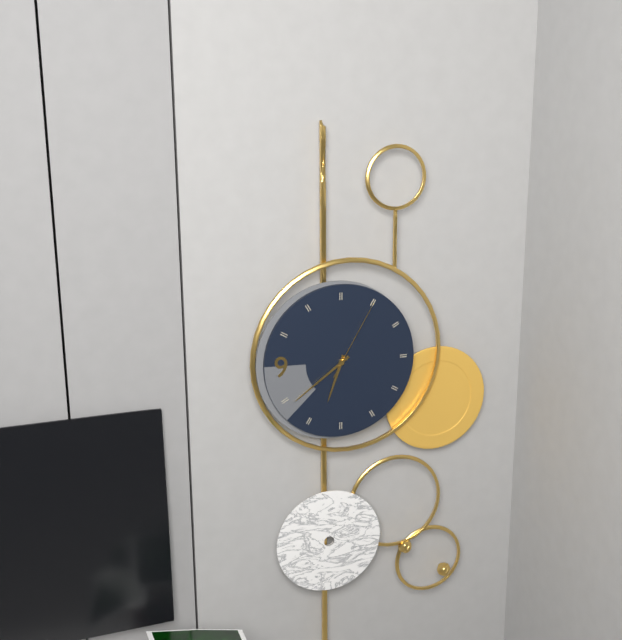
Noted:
6,39,05
